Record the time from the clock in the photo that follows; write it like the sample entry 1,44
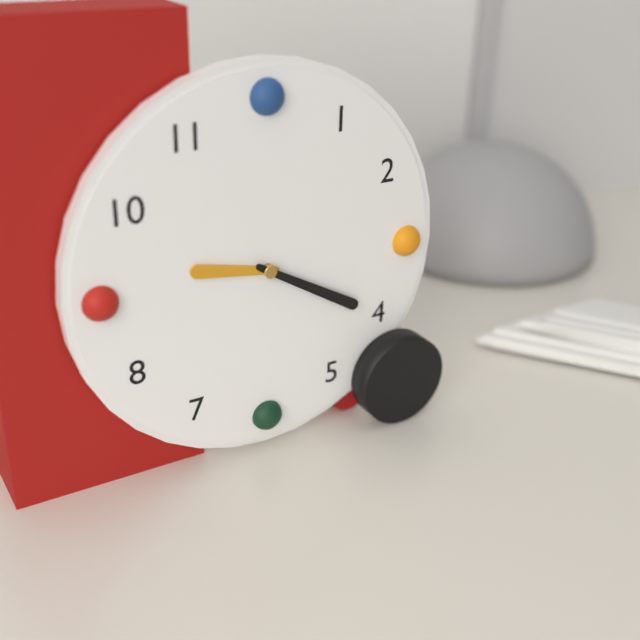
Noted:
9,20
